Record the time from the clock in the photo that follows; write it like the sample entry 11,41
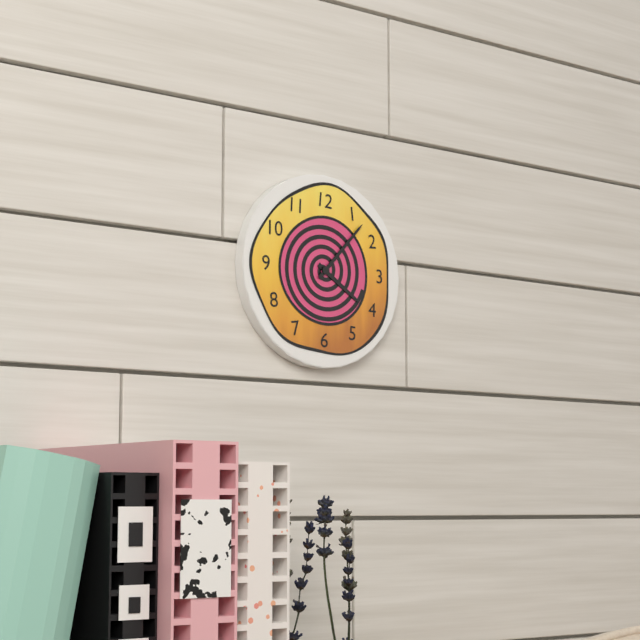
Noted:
4,07
